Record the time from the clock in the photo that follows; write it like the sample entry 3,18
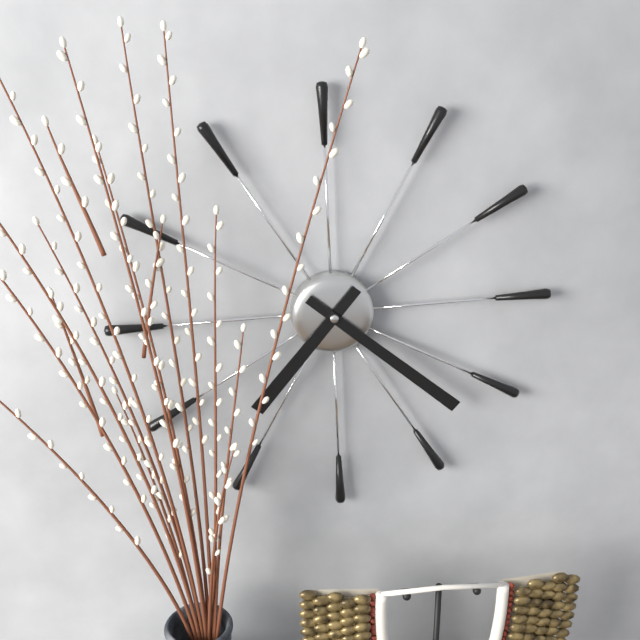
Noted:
7,22
